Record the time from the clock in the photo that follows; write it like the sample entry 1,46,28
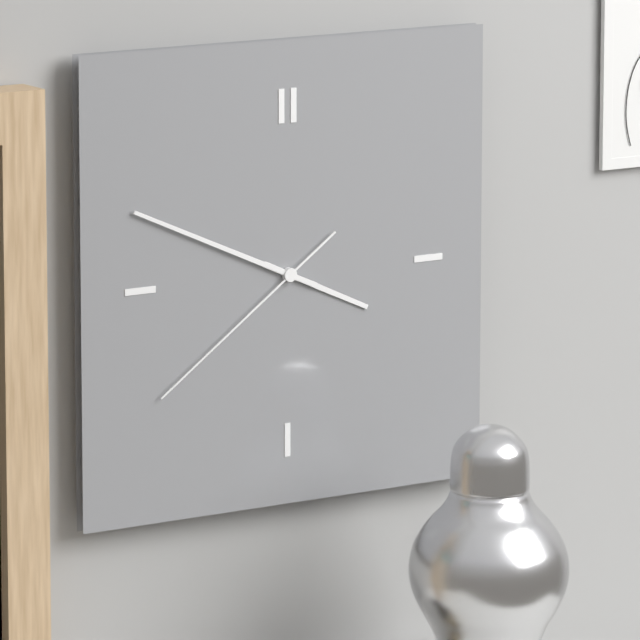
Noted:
3,49,39
